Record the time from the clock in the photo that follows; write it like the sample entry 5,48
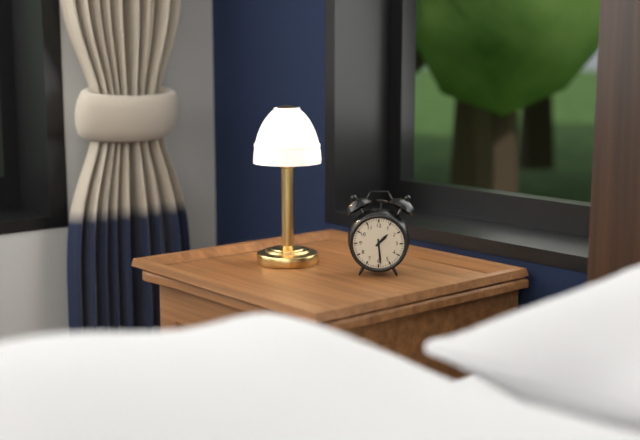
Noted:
1,29
